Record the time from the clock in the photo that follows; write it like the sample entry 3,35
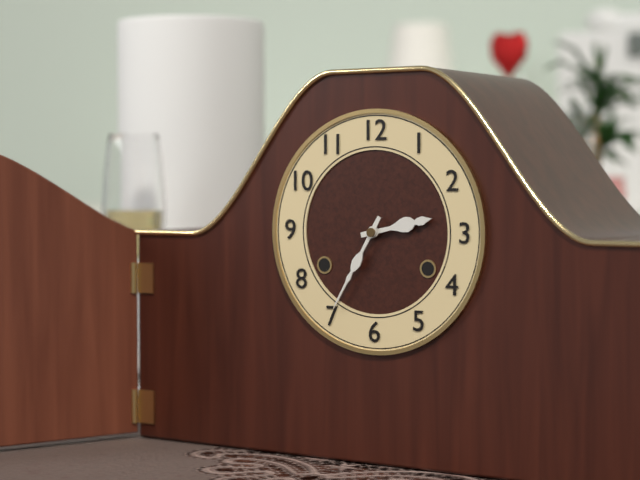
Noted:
2,35
